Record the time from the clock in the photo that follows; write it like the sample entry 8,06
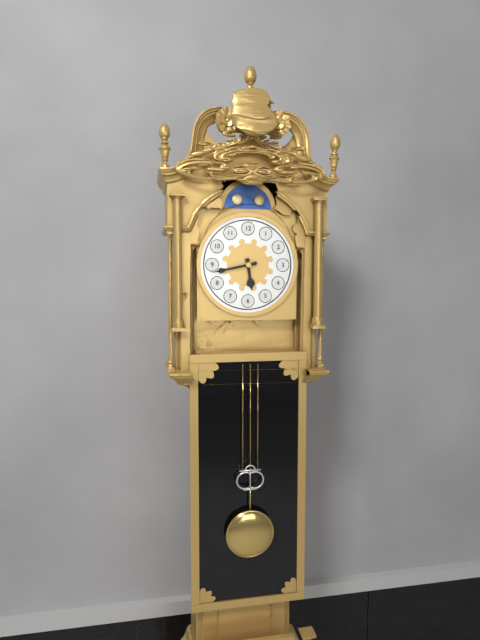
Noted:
5,43
